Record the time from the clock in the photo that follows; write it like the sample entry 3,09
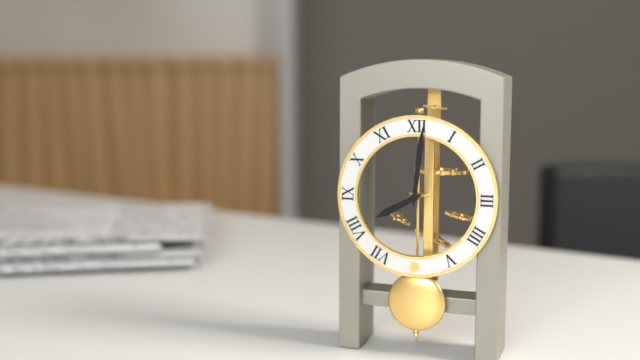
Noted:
8,01
